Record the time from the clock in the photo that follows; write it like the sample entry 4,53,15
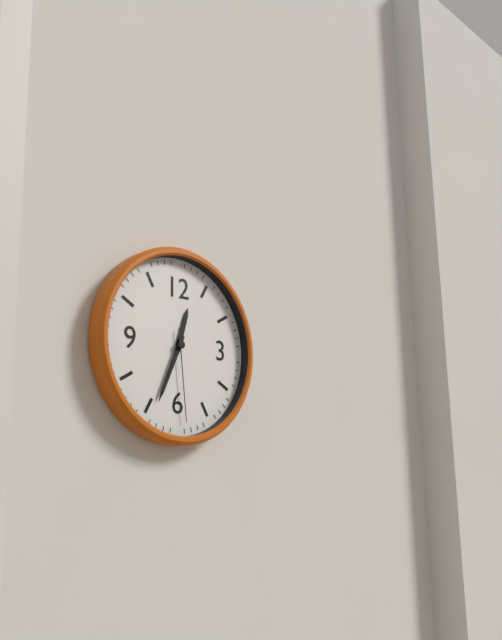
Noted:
12,34,29
